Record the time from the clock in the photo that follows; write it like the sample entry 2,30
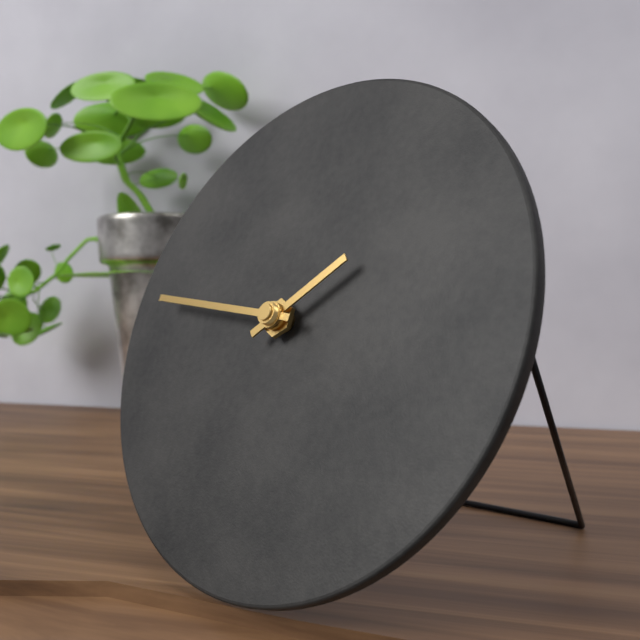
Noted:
1,46
